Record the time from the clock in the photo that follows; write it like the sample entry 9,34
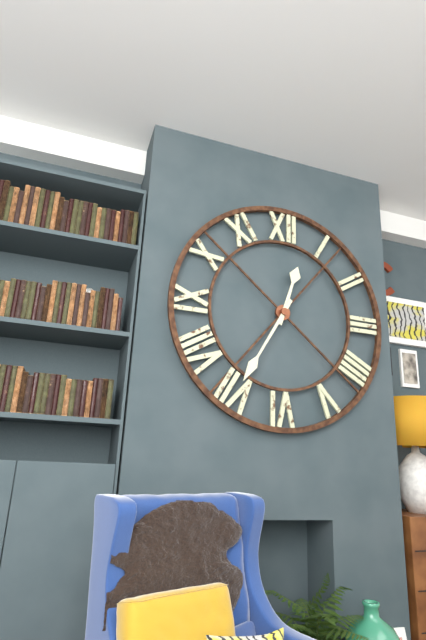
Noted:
12,35
